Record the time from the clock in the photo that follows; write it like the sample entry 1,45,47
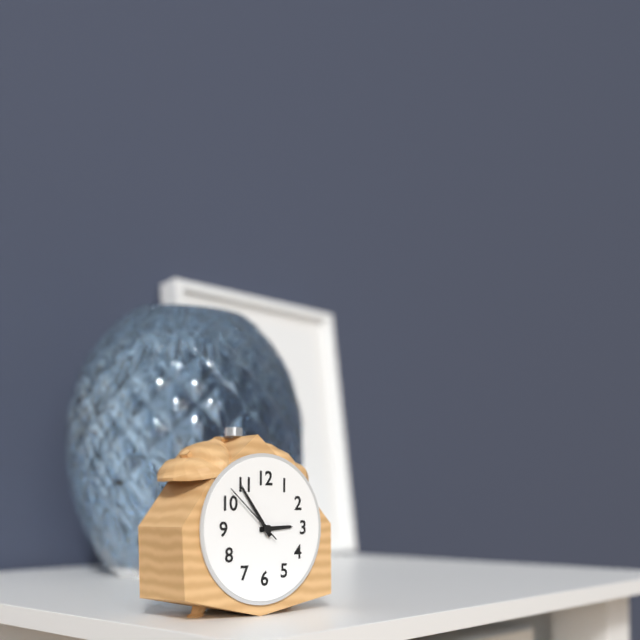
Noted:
2,54,52
